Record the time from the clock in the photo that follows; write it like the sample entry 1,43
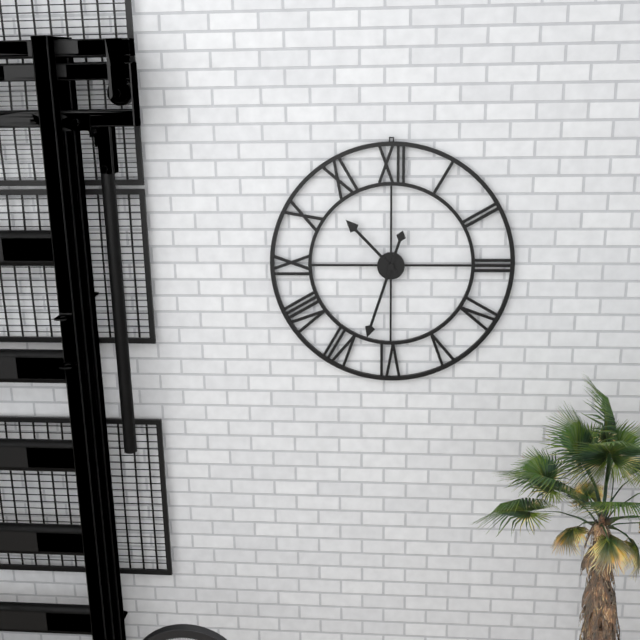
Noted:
10,33
